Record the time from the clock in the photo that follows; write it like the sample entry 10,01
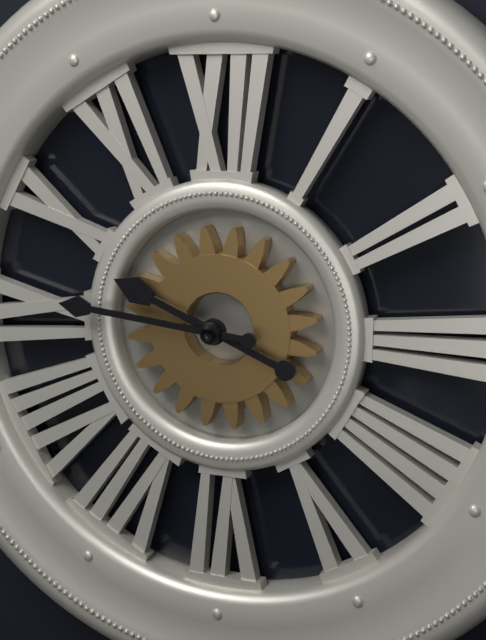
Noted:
9,46
